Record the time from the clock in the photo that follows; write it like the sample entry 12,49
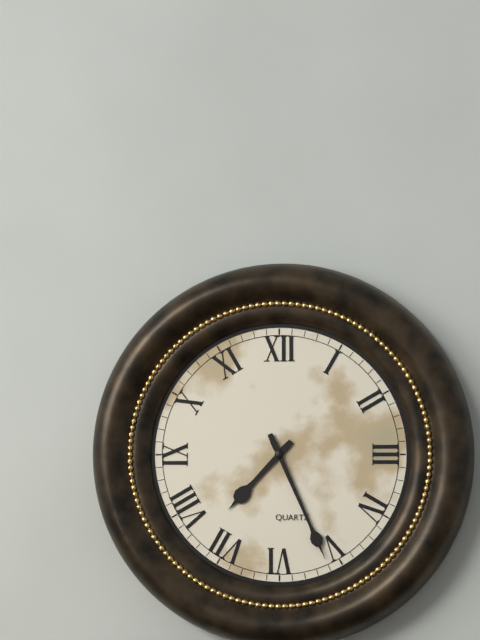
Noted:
7,26
